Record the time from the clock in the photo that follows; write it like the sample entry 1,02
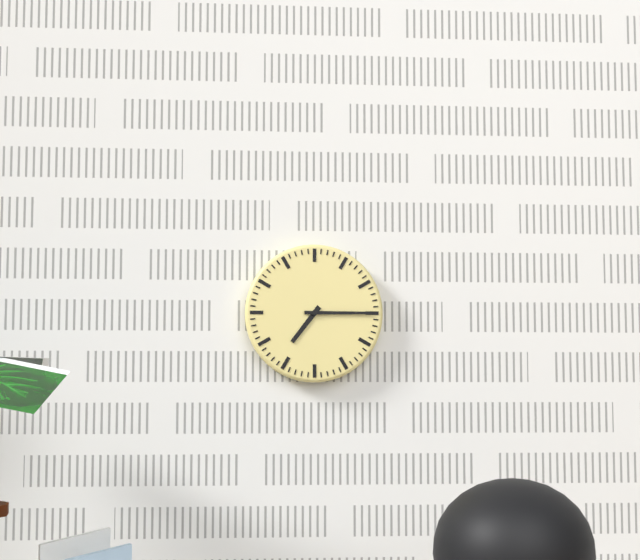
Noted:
7,15
